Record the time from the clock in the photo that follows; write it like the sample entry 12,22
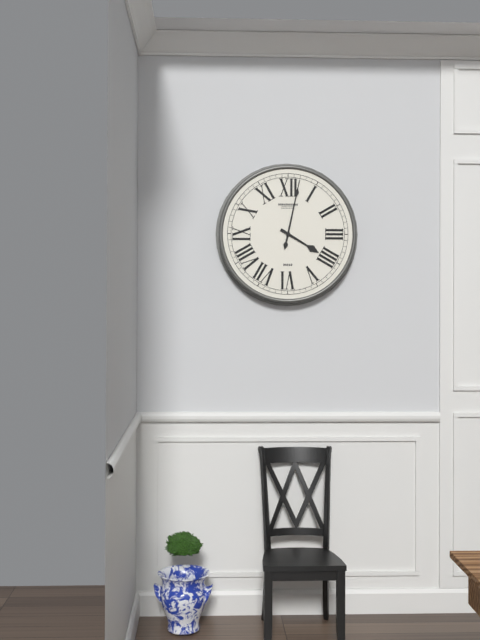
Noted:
4,02
